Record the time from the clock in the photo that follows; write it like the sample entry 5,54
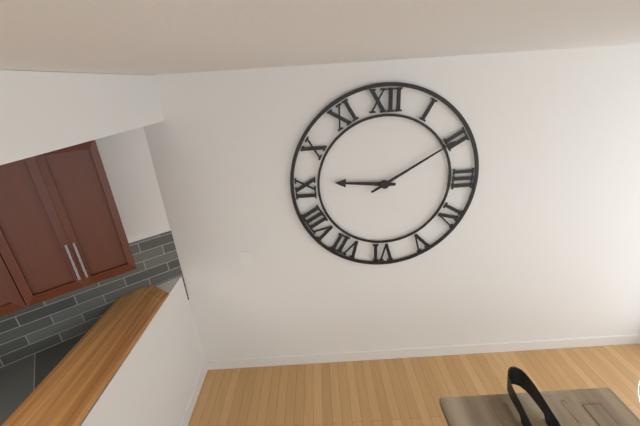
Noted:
9,10
